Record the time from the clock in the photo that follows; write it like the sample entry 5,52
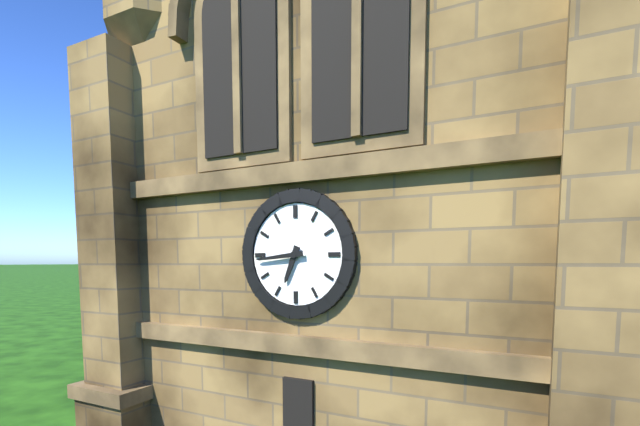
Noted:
6,44
